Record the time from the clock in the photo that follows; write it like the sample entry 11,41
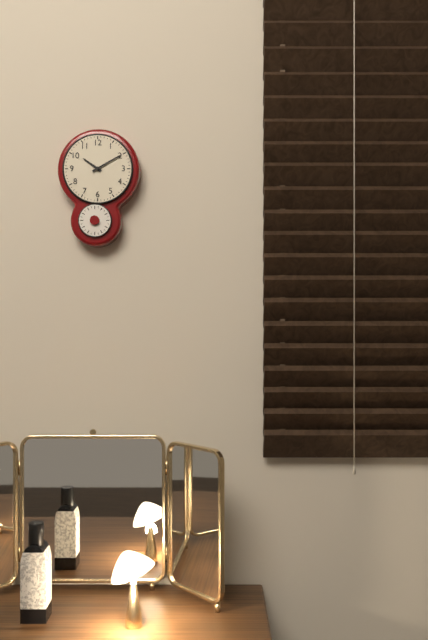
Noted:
10,10
